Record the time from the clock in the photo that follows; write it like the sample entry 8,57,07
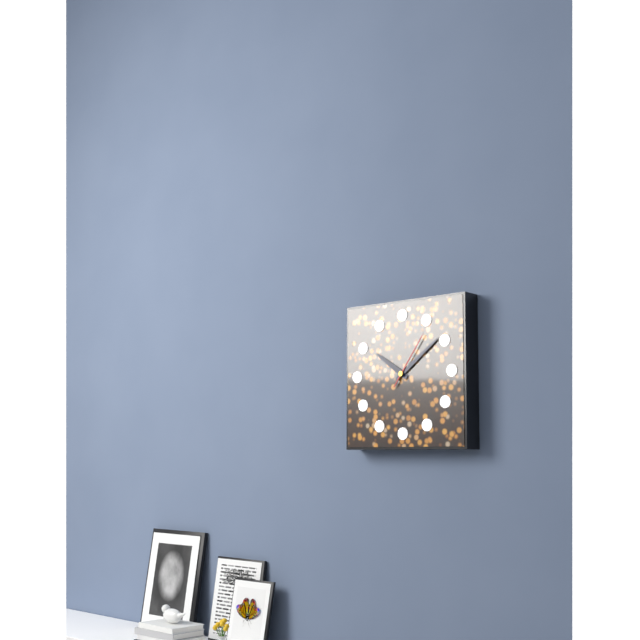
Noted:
10,09,06
